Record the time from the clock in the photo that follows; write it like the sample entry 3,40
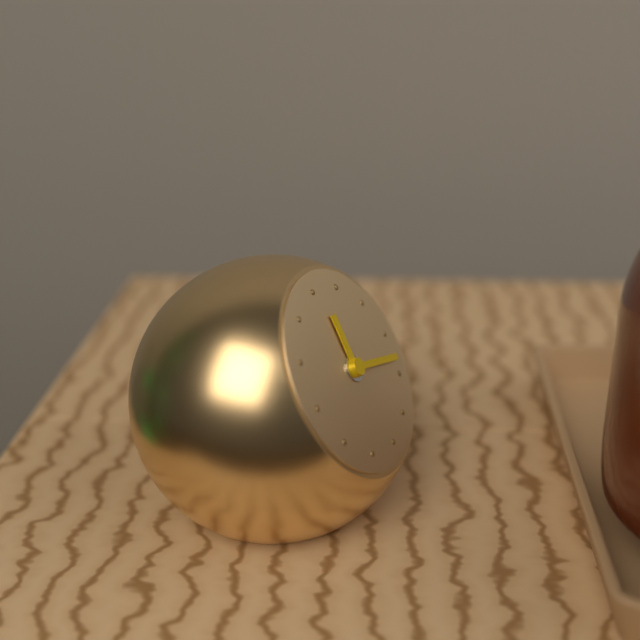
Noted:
12,18
